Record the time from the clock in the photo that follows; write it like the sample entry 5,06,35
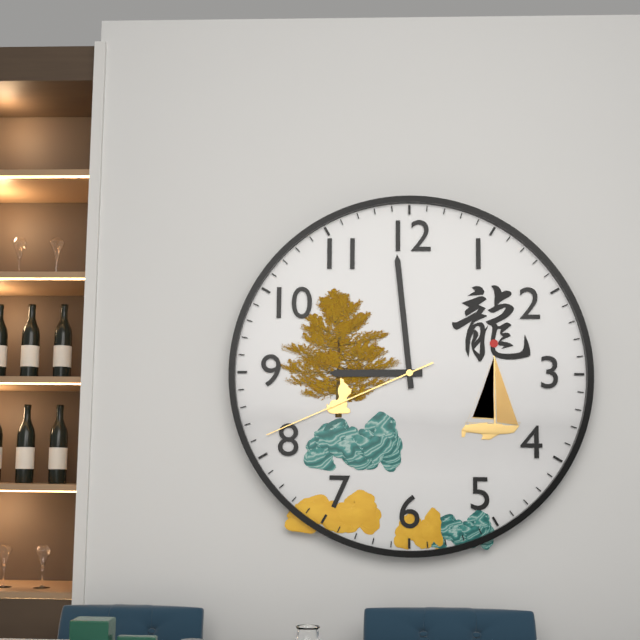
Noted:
8,59,41
